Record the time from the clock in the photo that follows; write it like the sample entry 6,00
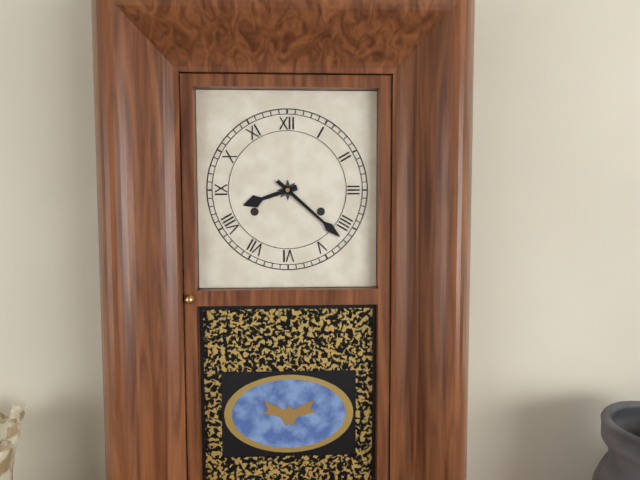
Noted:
8,22
